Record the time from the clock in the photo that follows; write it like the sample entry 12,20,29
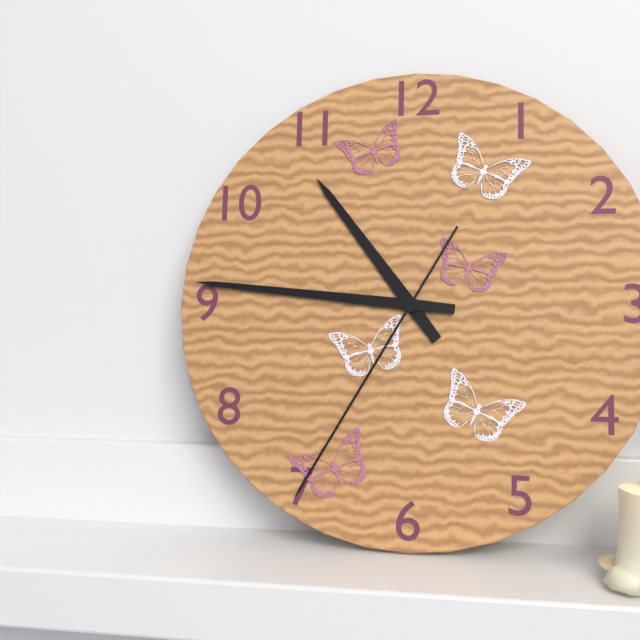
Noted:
10,46,35
